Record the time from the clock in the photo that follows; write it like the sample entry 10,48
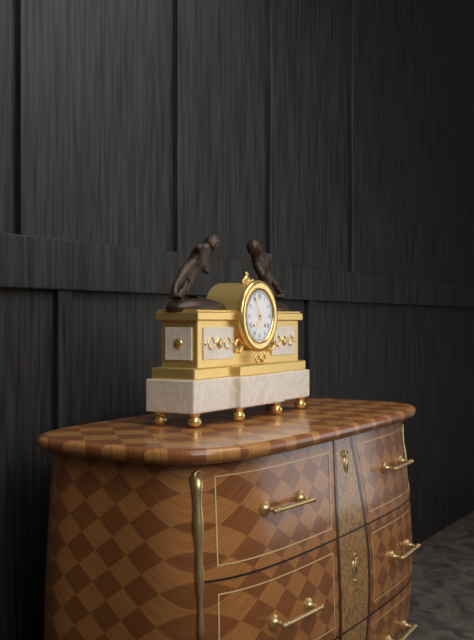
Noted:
6,56
